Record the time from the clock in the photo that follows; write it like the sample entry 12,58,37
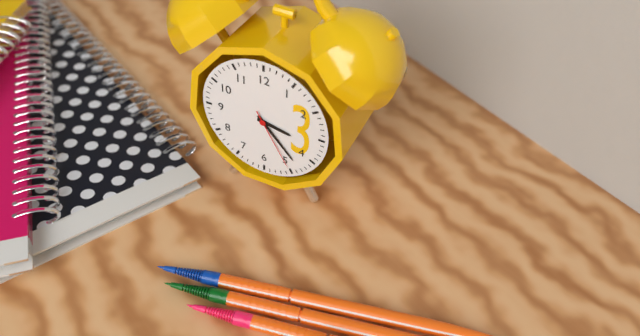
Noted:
3,23,25
